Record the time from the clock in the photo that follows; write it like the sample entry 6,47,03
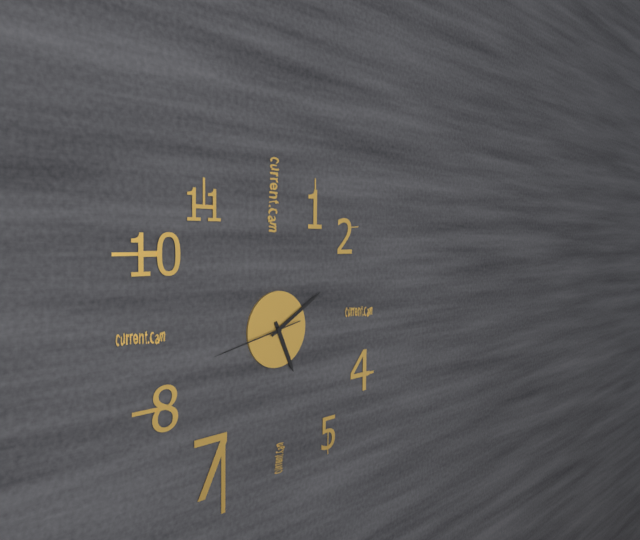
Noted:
5,10,43
